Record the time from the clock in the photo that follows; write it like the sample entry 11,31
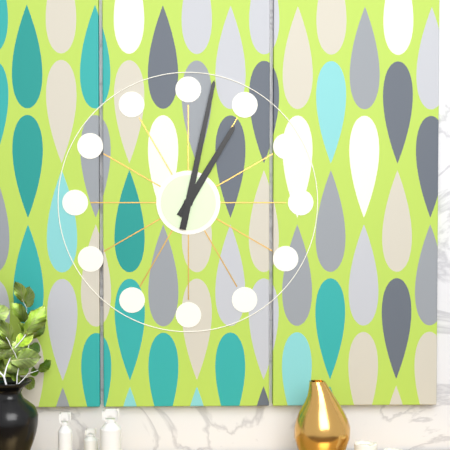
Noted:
1,02
